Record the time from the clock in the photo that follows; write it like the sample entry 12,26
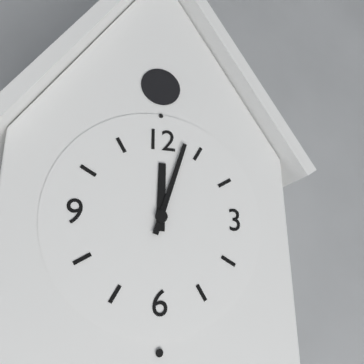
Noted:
12,03
